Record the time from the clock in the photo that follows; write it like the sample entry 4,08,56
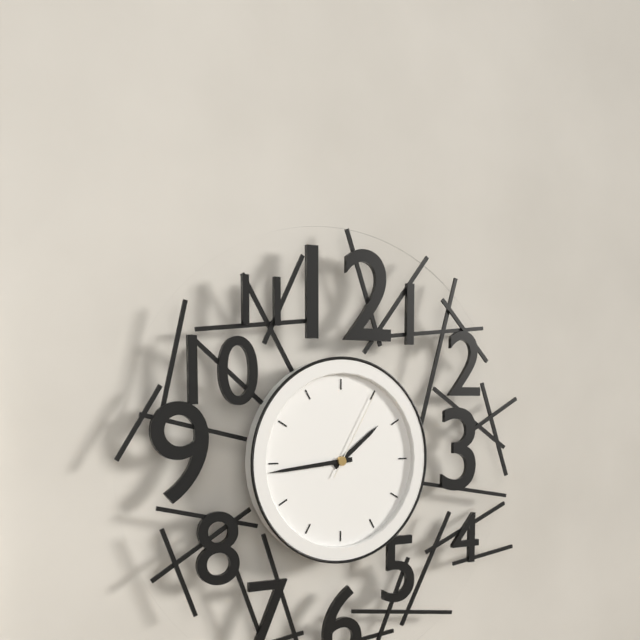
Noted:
1,44,05
